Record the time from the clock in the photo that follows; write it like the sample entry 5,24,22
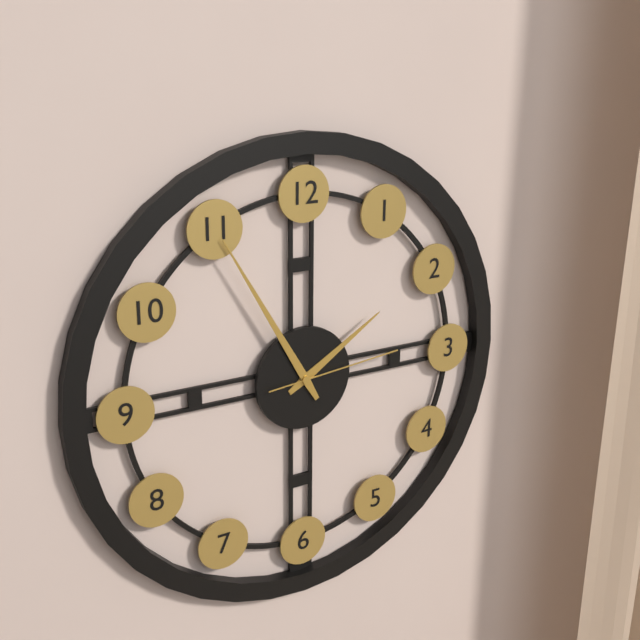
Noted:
1,55,14
